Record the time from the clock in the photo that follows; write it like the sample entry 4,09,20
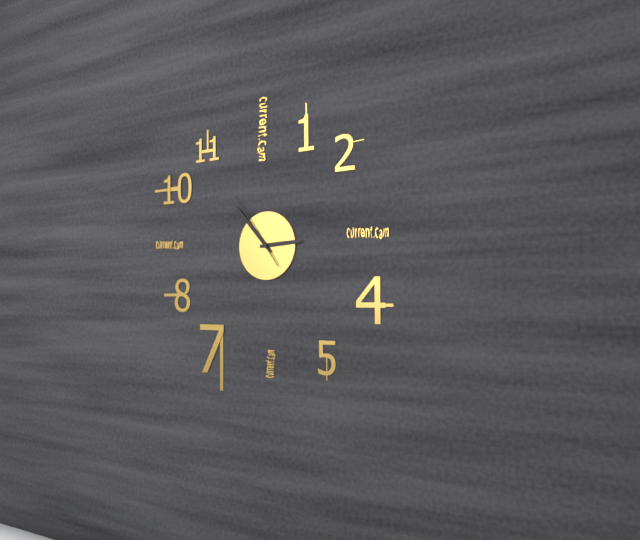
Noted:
2,53,54
